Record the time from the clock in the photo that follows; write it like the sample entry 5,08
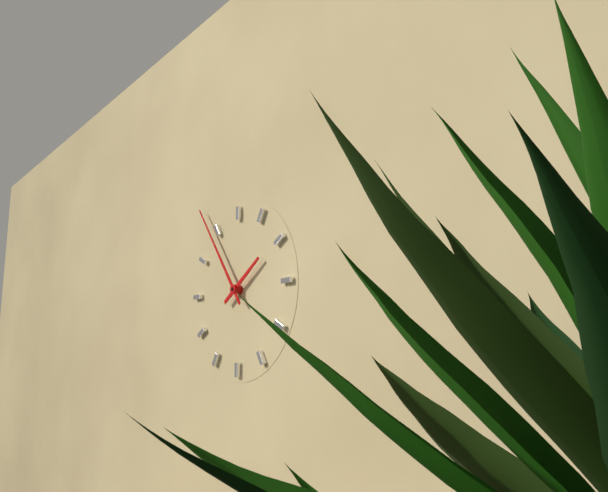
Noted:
1,54
